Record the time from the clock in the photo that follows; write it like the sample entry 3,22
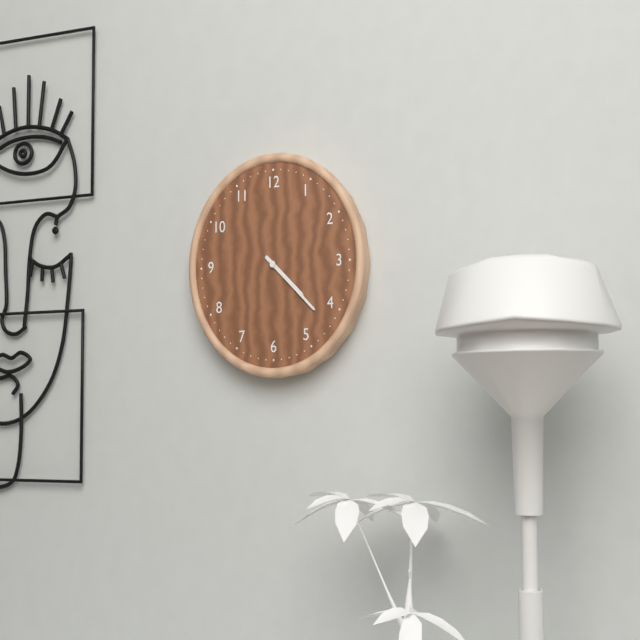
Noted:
4,22
